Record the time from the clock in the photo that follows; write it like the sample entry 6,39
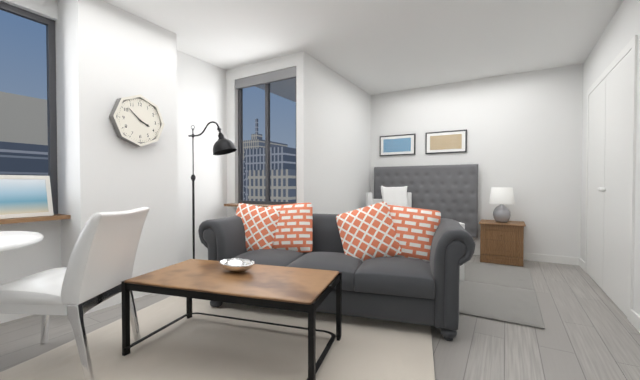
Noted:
3,52
